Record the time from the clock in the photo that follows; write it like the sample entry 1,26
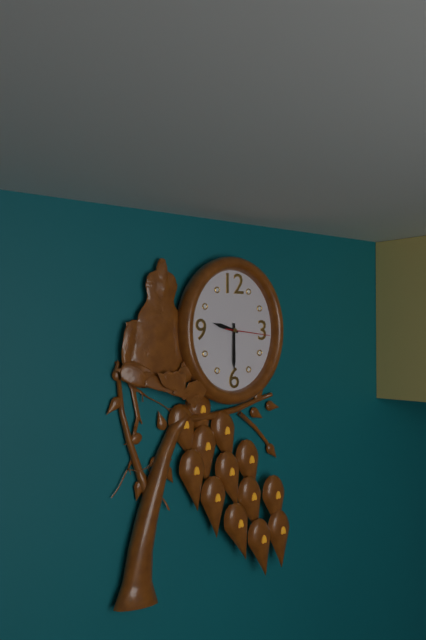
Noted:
9,30
